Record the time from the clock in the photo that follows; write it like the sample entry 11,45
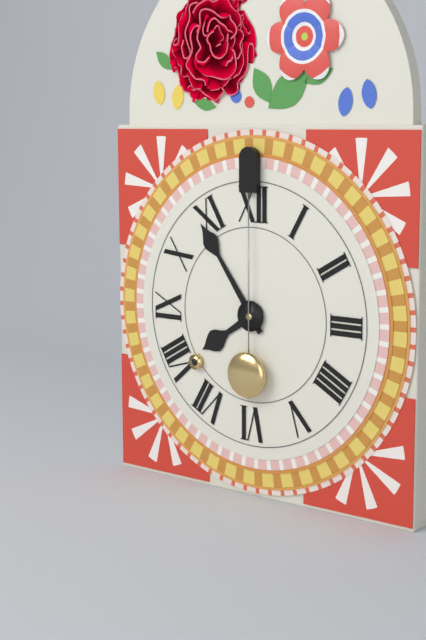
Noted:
7,54
